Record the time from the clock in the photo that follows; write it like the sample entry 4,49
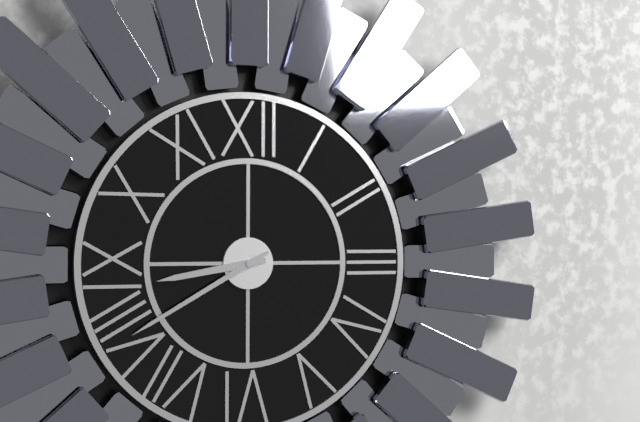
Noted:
8,40
